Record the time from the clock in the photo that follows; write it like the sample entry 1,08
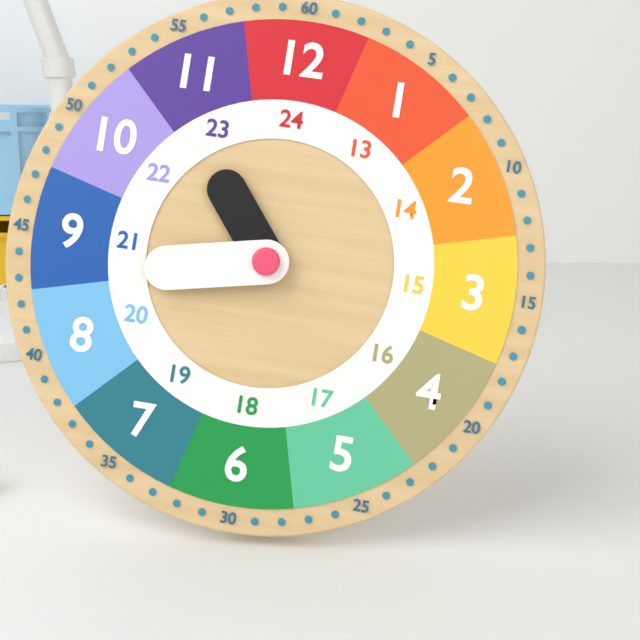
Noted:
10,43
